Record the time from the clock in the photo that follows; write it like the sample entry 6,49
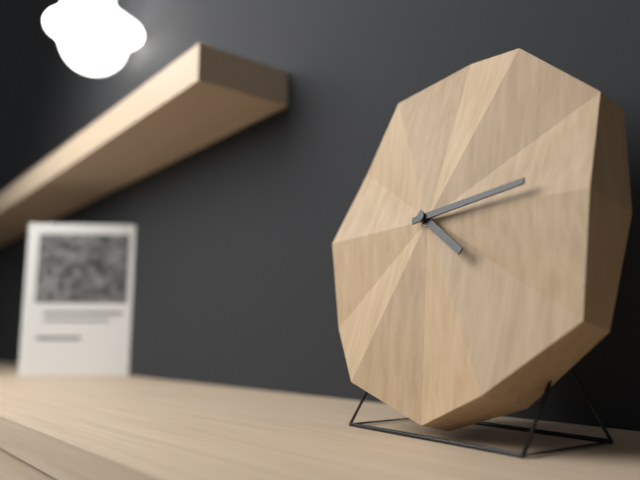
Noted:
4,14
